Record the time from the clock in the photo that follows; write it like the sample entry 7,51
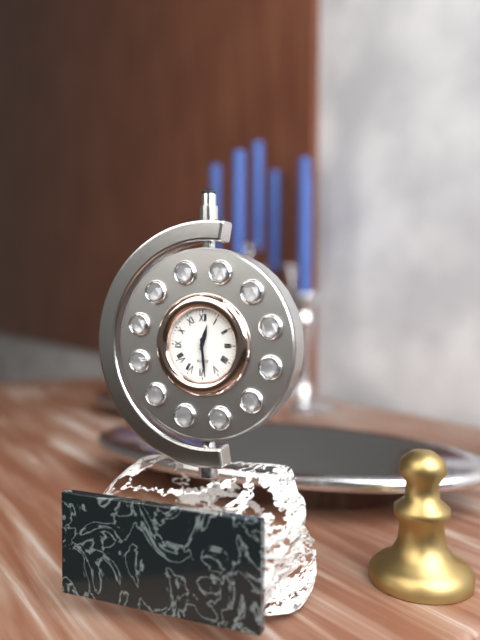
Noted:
12,29
